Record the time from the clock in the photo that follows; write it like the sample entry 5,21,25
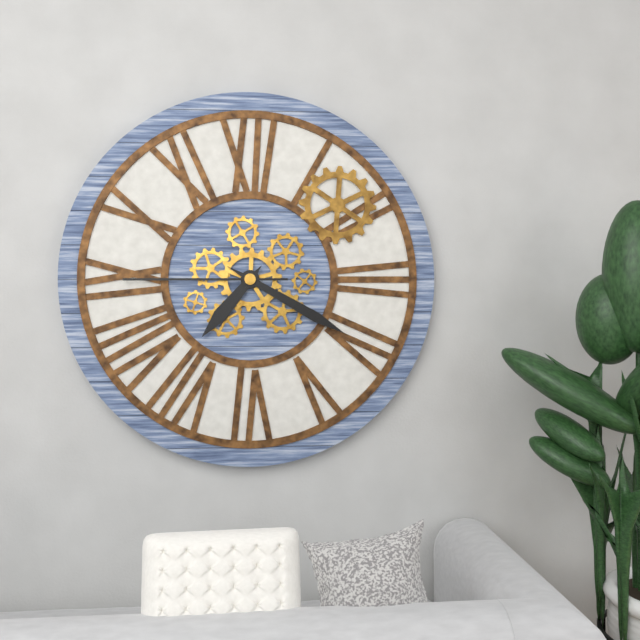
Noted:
7,20,45
